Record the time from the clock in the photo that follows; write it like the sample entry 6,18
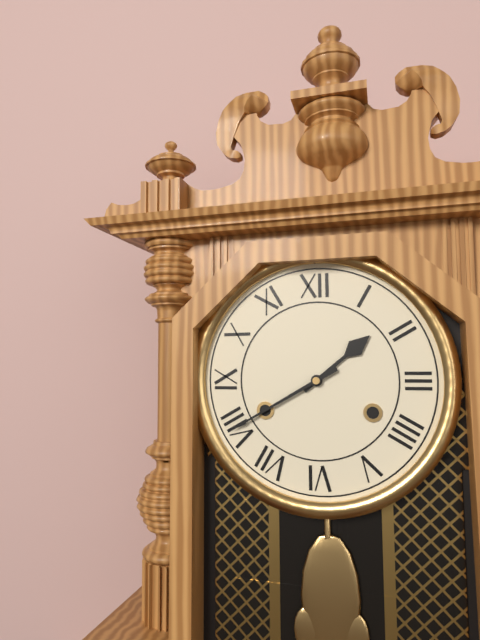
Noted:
1,40
